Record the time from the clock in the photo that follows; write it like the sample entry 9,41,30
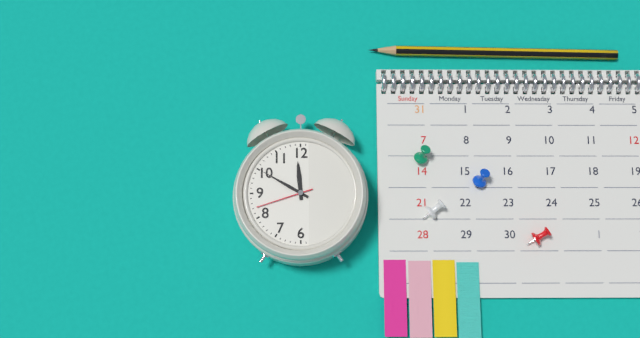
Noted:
11,50,42
